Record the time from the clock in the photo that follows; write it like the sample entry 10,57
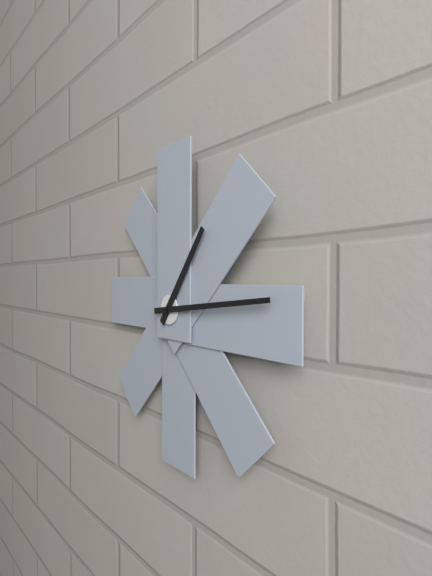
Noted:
1,14
